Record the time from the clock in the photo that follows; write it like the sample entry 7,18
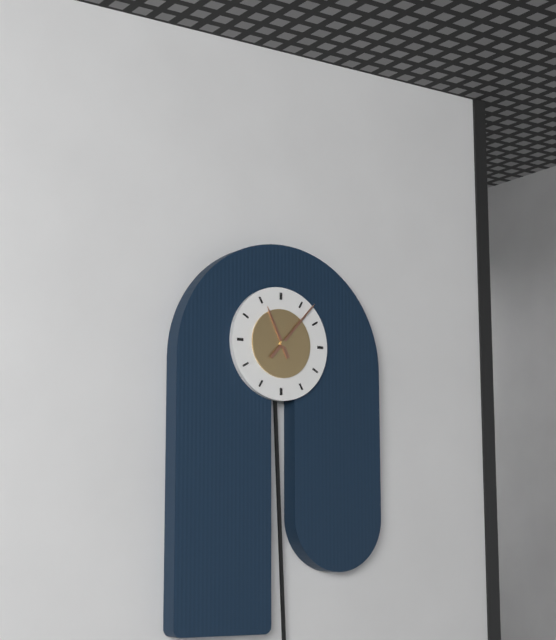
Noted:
11,07
